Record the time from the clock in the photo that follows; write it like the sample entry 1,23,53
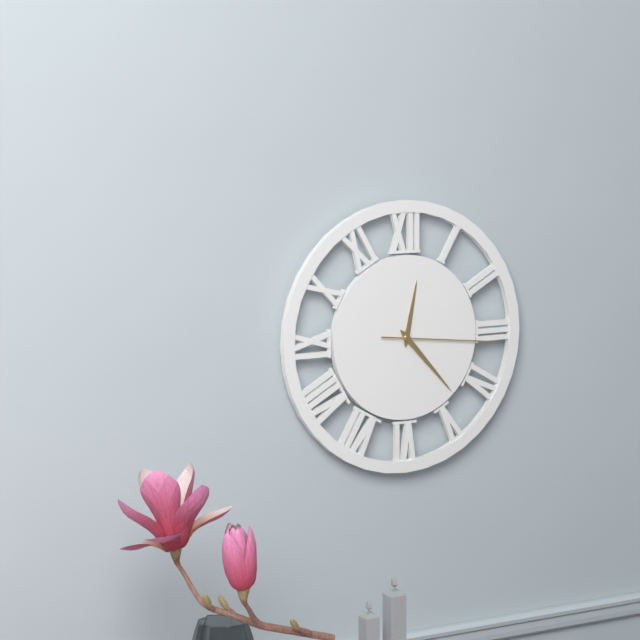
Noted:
12,23,16
